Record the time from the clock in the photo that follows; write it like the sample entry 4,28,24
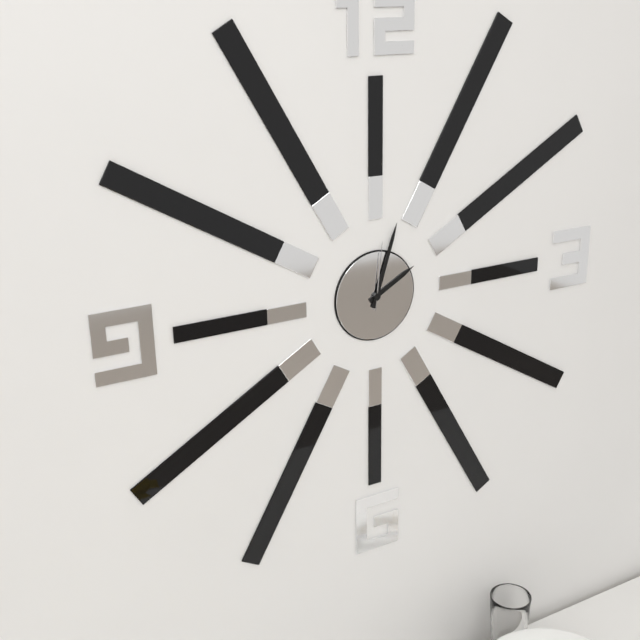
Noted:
2,03,01
